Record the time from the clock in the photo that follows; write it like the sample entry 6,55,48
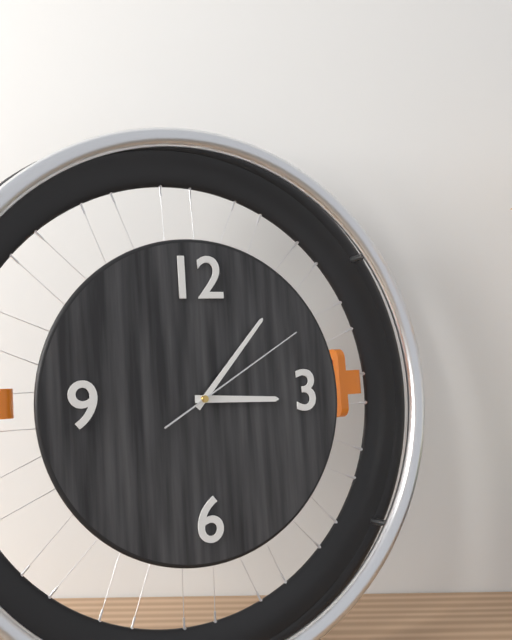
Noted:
3,07,10
